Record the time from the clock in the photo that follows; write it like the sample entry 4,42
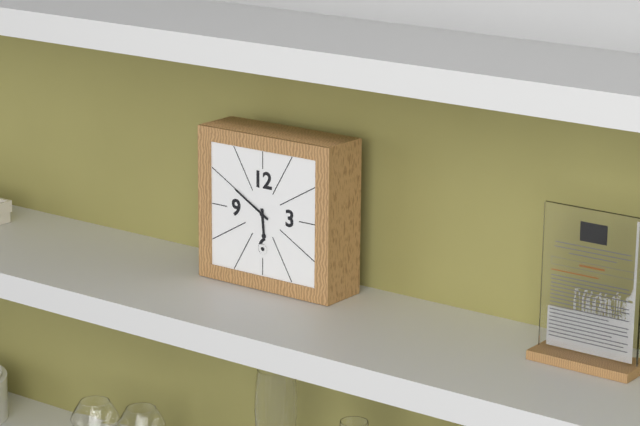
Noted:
5,50
